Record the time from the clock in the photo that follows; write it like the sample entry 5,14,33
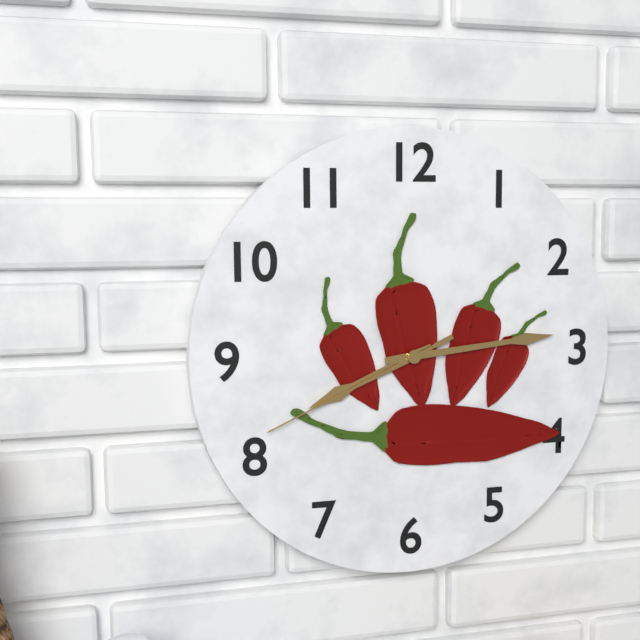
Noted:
8,14,41
